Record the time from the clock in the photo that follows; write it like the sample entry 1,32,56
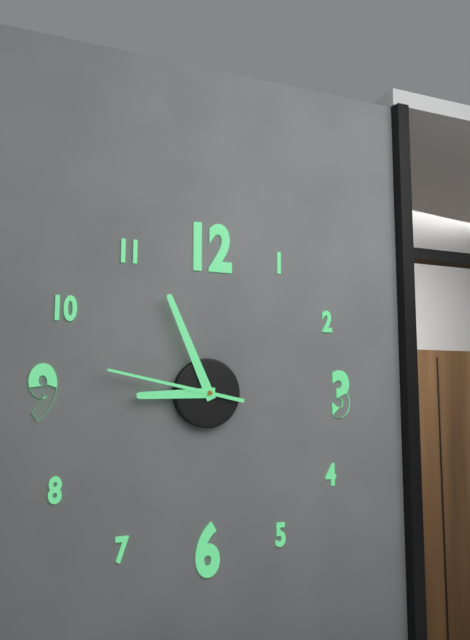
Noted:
8,56,47
